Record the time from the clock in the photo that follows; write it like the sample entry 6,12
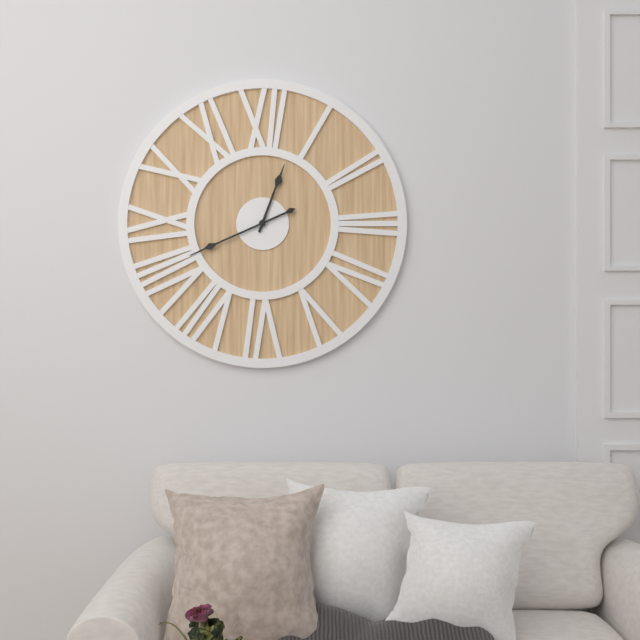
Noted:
12,41
